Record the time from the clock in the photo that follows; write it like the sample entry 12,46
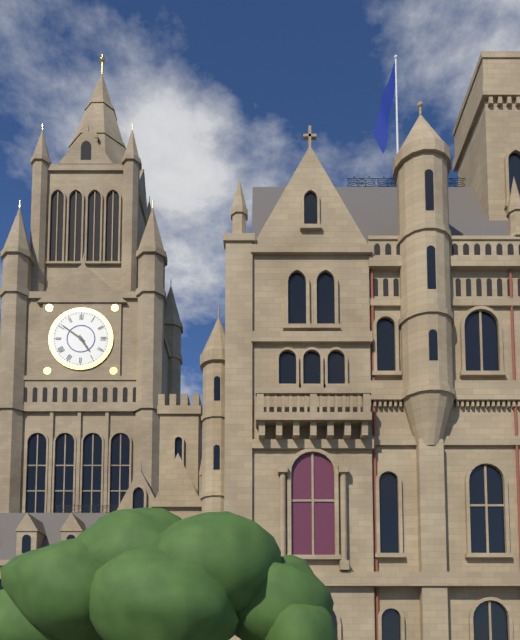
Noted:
4,51
